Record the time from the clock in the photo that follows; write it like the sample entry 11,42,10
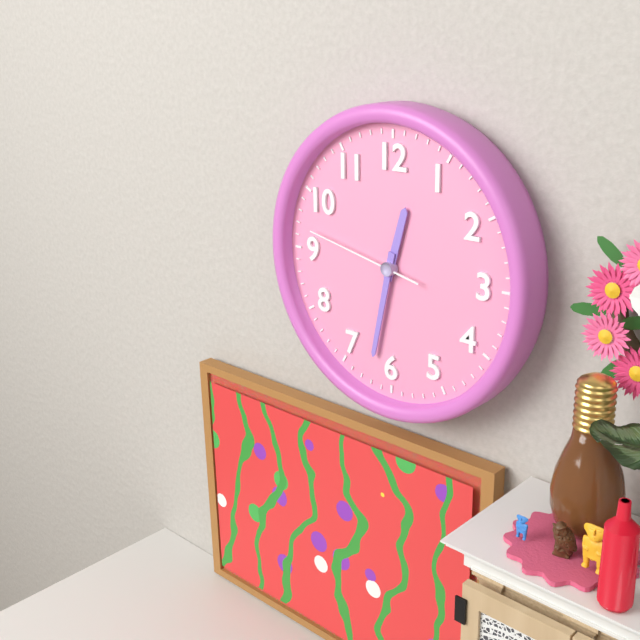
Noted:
12,32,47
